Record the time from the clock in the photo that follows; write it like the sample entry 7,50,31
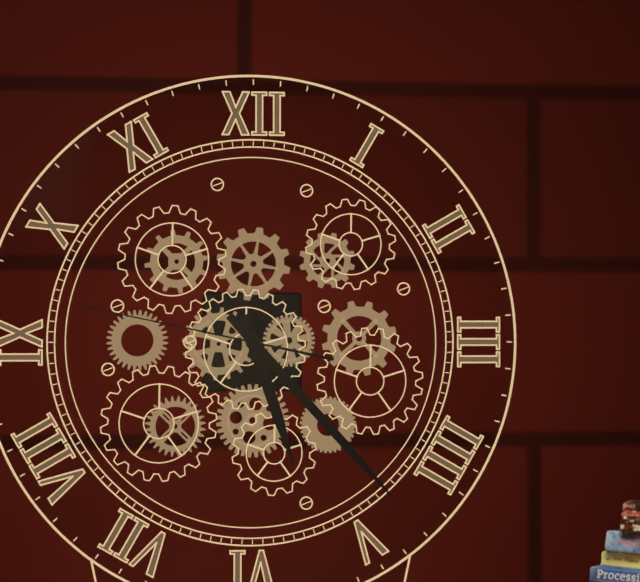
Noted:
5,23,47
